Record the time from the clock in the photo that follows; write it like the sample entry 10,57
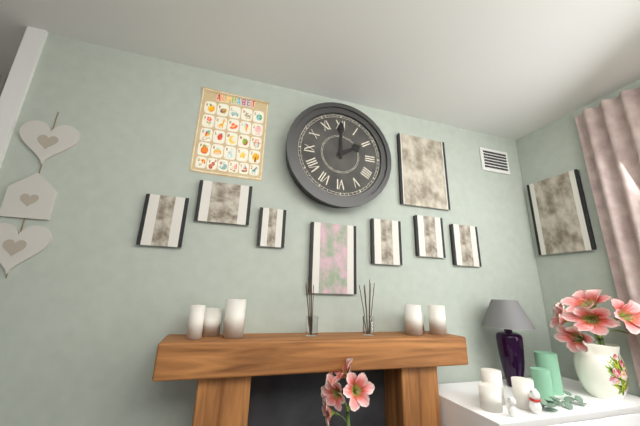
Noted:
2,00
